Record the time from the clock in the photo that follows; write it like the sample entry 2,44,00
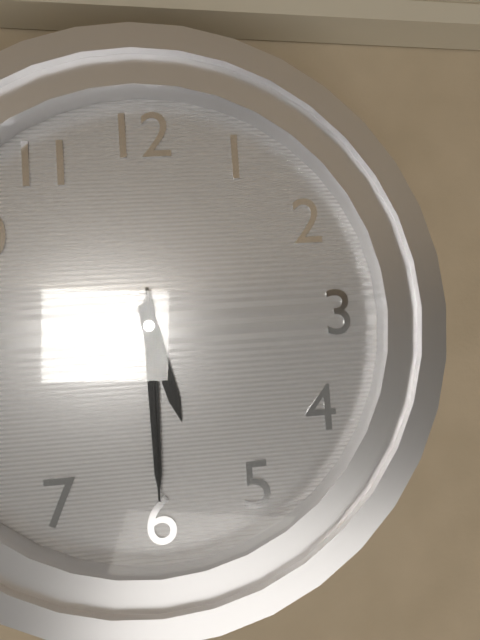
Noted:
5,30,30
